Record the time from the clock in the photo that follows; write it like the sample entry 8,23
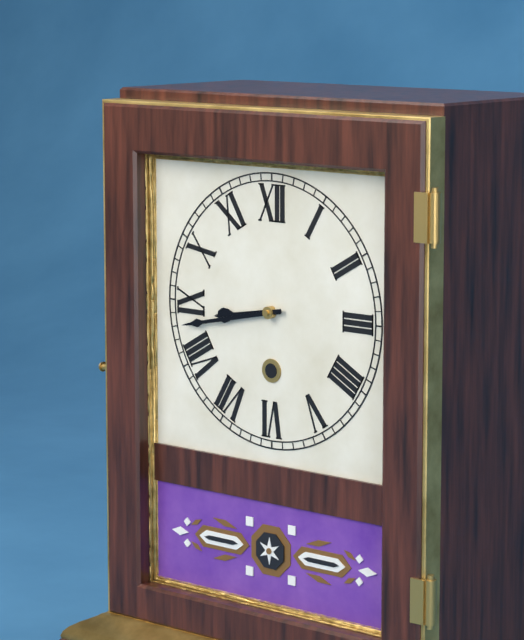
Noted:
8,43
